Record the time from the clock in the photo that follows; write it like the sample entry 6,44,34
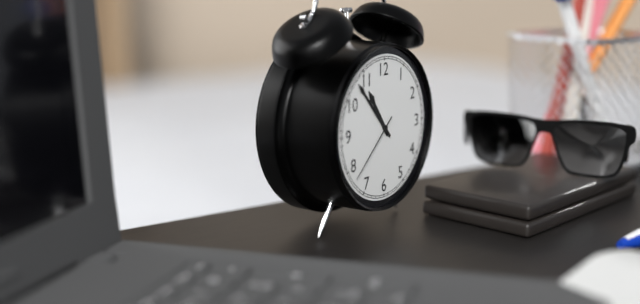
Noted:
10,53,38
